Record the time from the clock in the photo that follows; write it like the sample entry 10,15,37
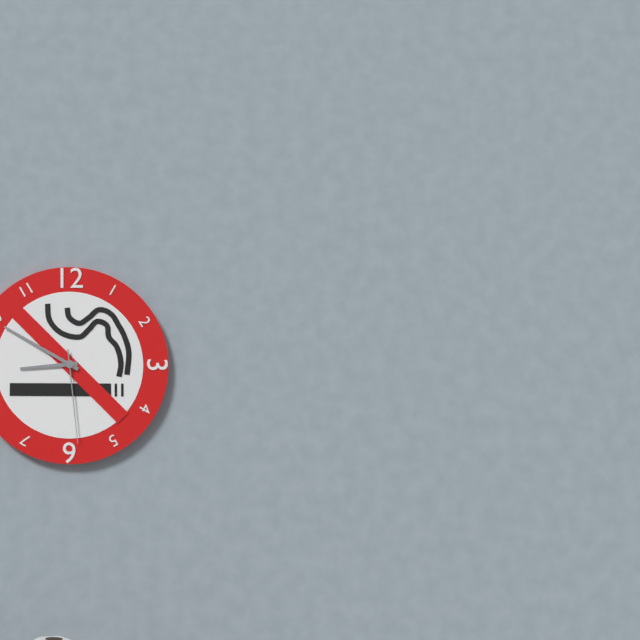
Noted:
8,50,29
